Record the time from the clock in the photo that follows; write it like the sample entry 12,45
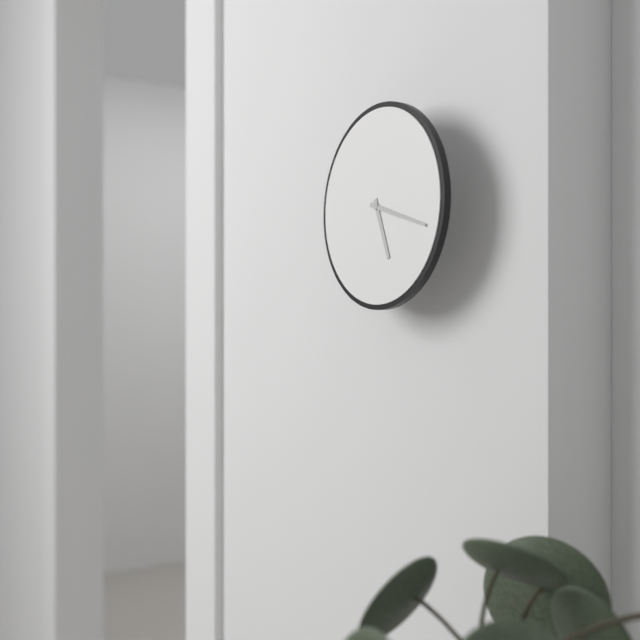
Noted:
5,18
